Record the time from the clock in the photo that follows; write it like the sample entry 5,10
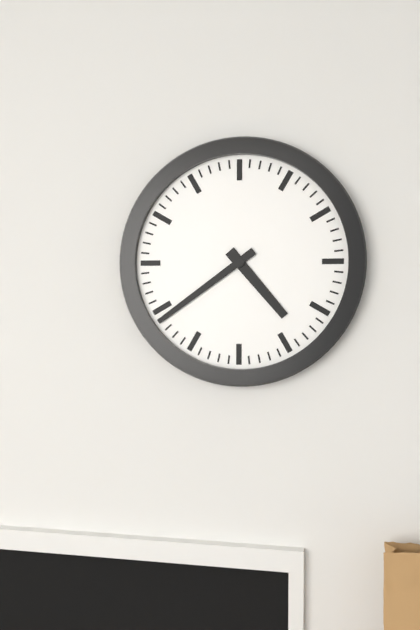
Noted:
4,39
